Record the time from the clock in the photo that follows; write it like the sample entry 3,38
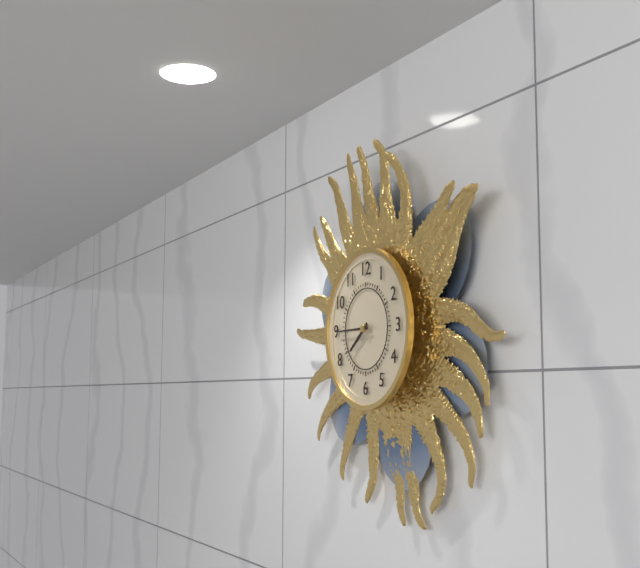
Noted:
7,45
